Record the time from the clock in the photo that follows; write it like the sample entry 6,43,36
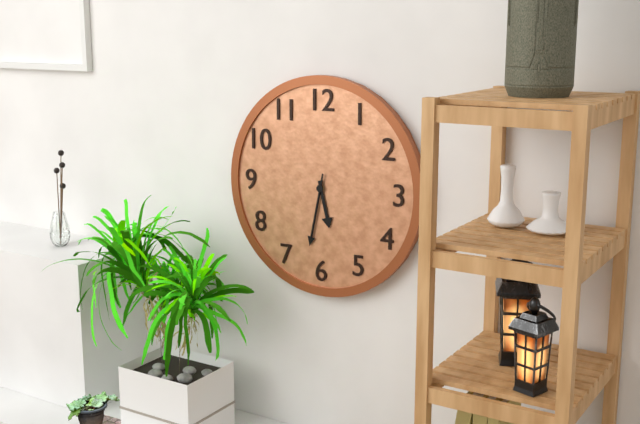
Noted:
5,32,32
